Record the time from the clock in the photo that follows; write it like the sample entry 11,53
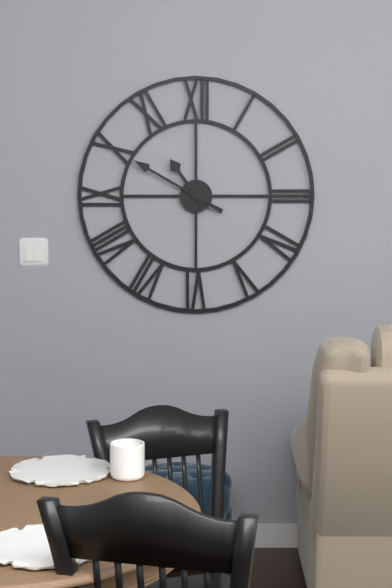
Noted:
10,50
